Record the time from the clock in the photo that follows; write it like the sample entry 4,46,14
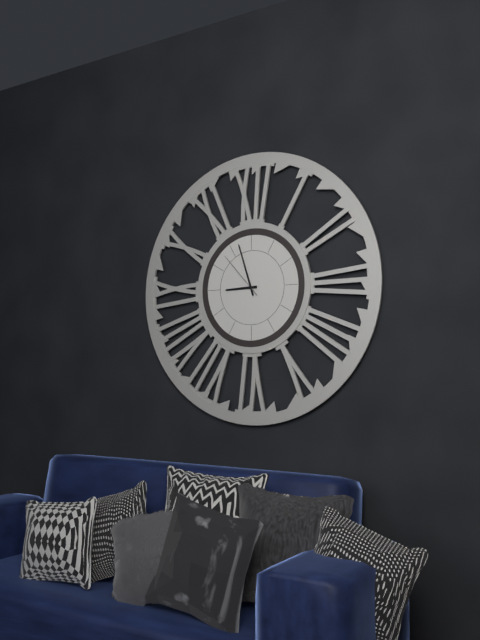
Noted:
8,57,53
